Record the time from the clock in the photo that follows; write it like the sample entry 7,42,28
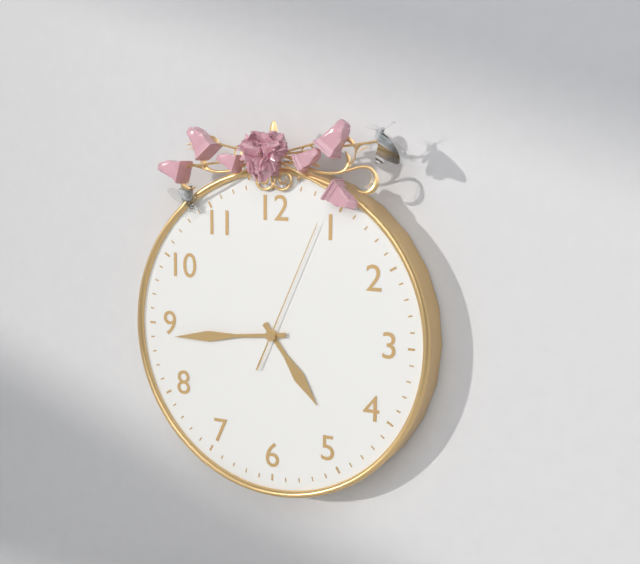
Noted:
4,44,04
